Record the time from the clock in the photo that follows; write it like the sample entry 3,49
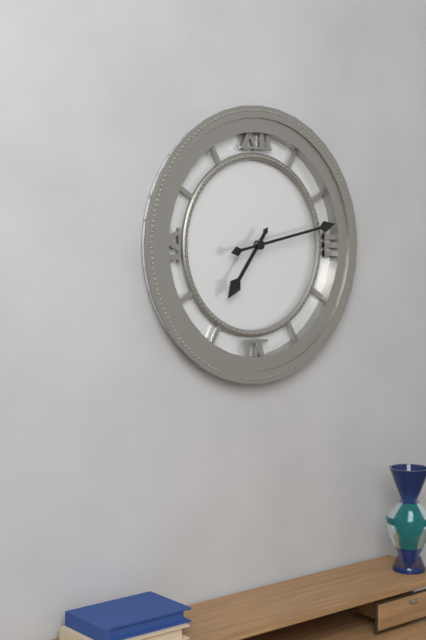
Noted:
7,13
